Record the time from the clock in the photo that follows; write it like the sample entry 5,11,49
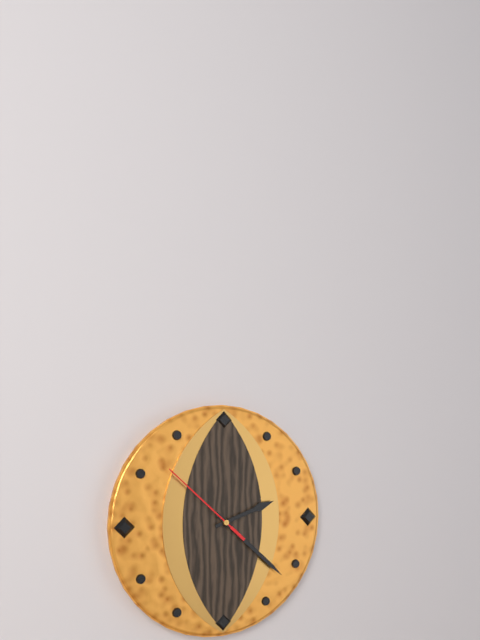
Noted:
2,22,52
